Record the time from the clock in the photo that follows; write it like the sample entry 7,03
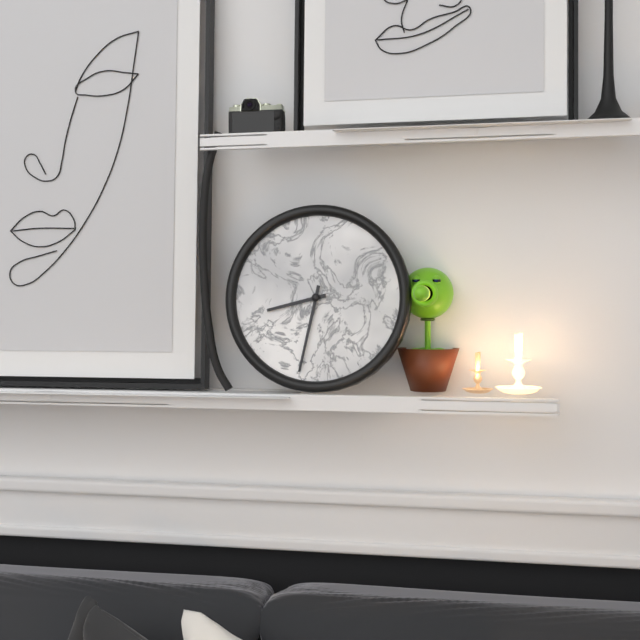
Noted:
8,32
